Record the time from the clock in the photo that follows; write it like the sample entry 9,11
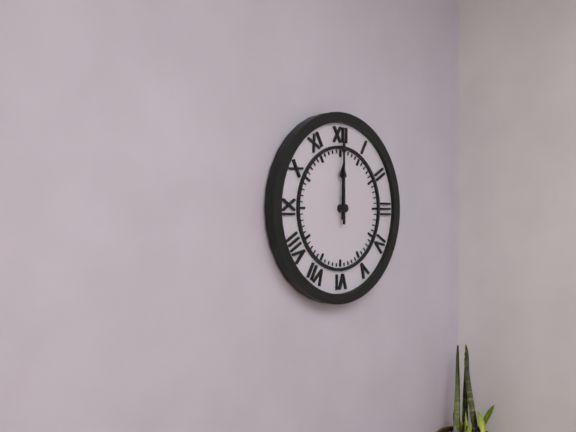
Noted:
12,00
